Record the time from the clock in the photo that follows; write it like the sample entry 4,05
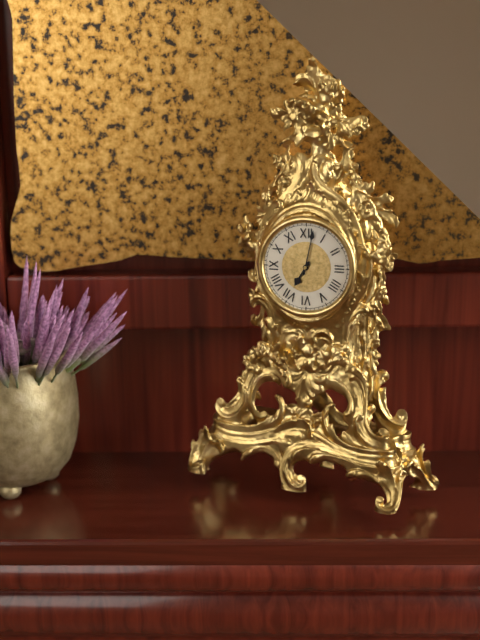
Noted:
7,02
